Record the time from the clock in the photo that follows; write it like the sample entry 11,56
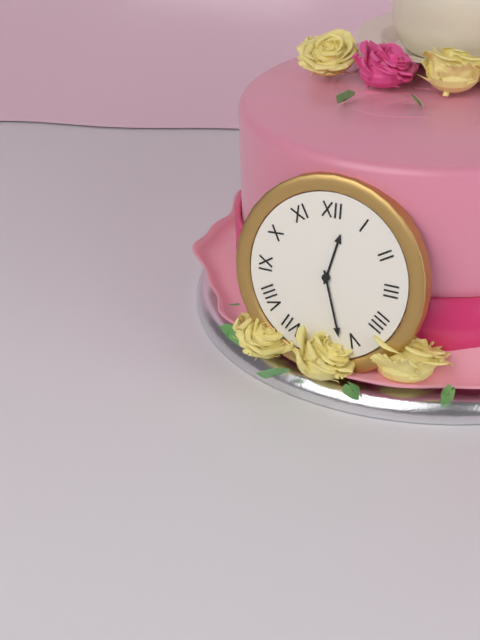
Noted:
12,27
